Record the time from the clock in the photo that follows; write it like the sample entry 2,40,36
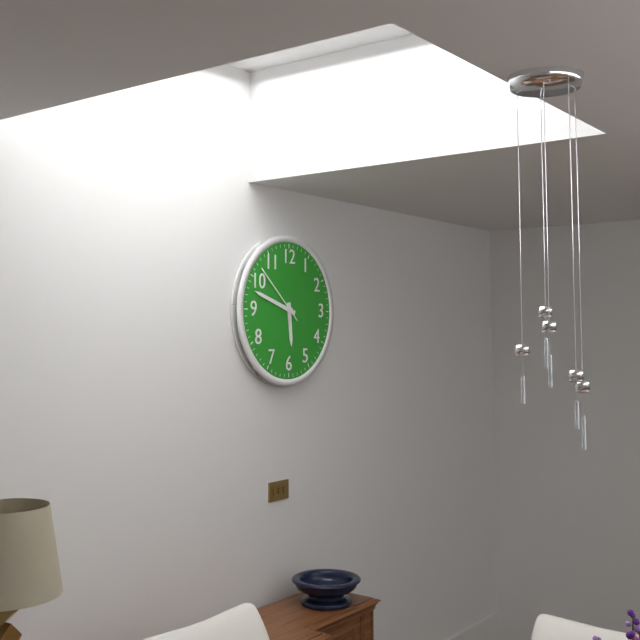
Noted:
5,48,52
